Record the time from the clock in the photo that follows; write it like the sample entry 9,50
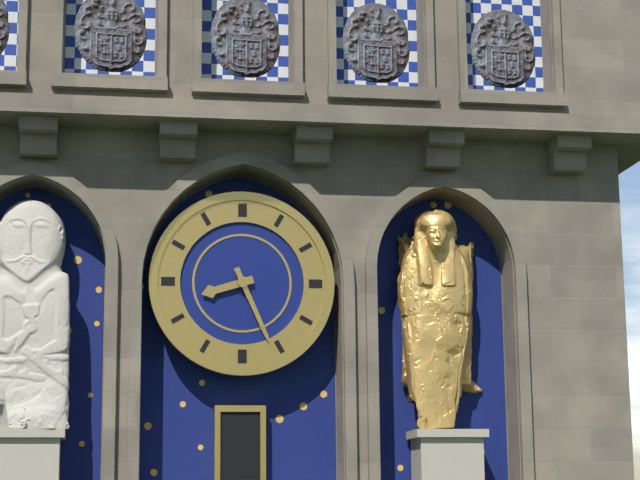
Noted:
8,26
